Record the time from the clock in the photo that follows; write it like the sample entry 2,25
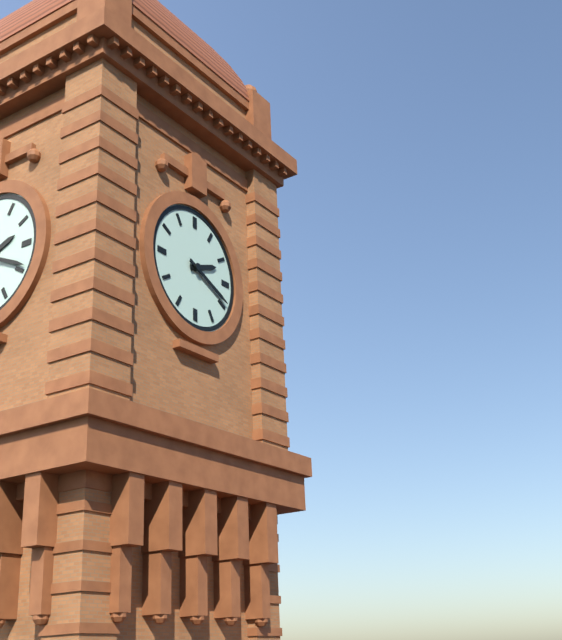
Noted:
2,19
